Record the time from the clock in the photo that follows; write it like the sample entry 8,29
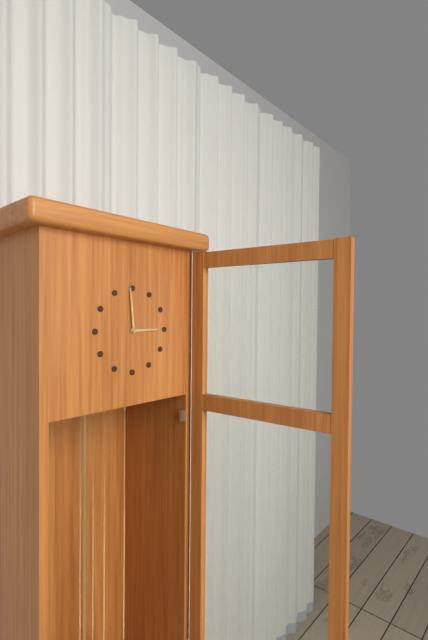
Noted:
2,59
